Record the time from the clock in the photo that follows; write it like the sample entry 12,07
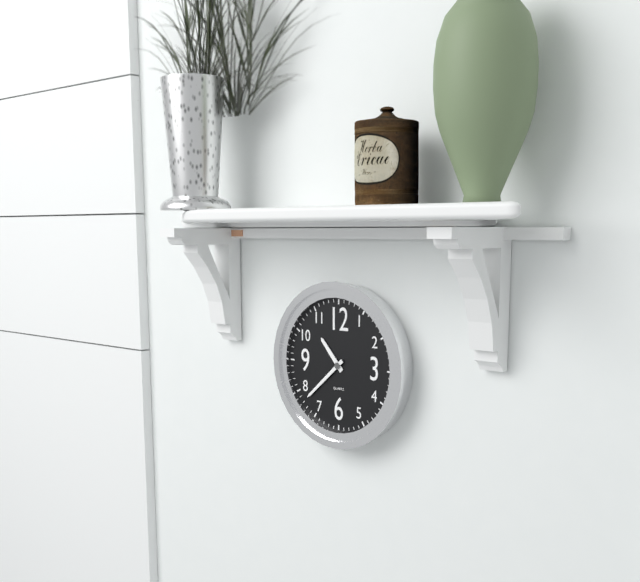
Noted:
10,38
